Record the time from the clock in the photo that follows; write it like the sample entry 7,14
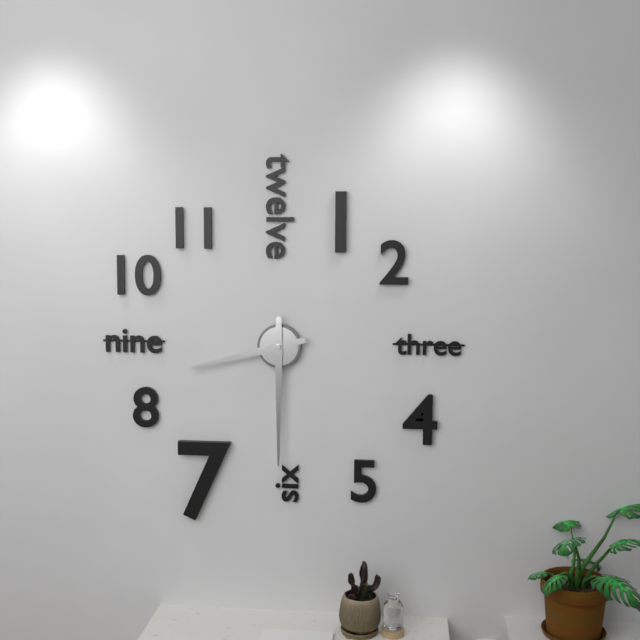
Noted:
8,30
